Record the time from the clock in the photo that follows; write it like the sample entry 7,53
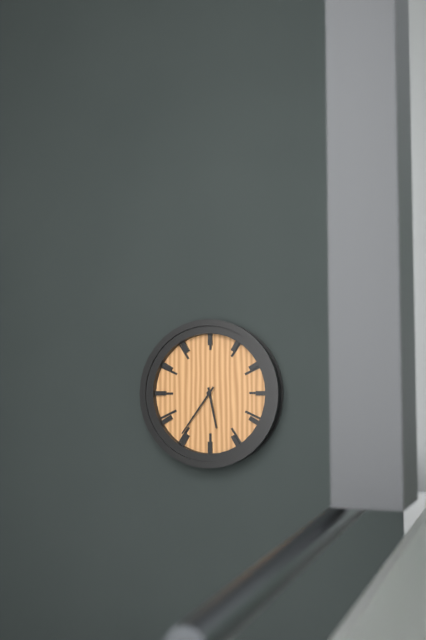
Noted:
5,36
